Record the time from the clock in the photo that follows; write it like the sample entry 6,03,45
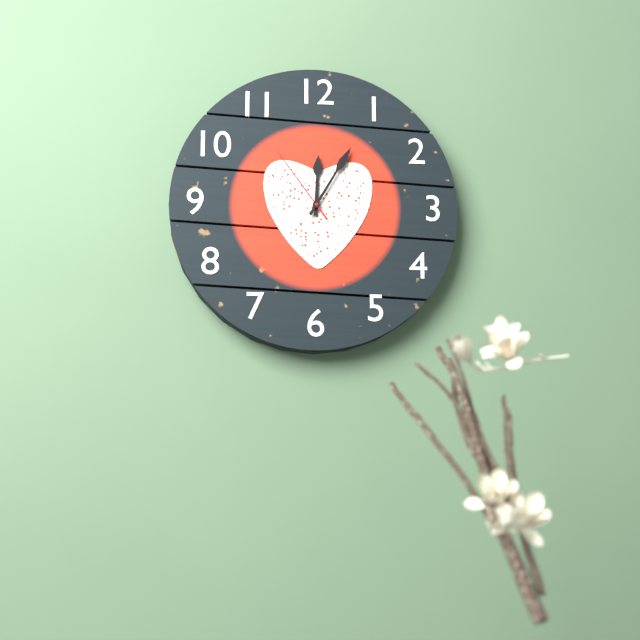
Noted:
12,05,54
